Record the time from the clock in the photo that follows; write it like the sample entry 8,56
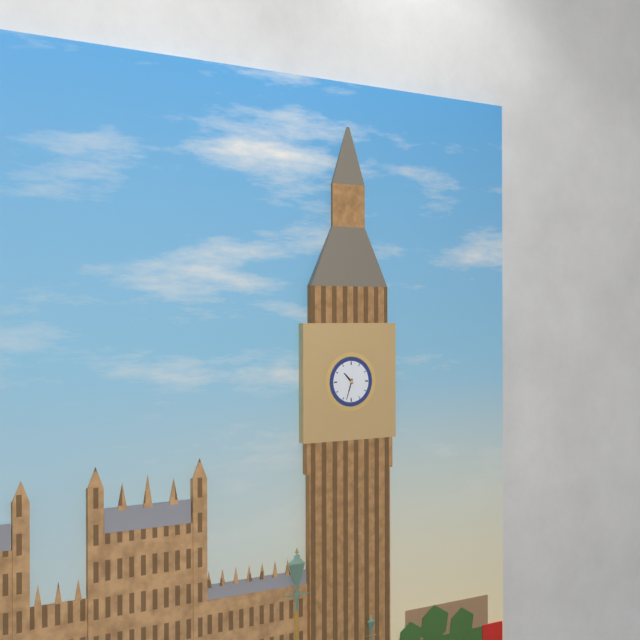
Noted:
10,33
